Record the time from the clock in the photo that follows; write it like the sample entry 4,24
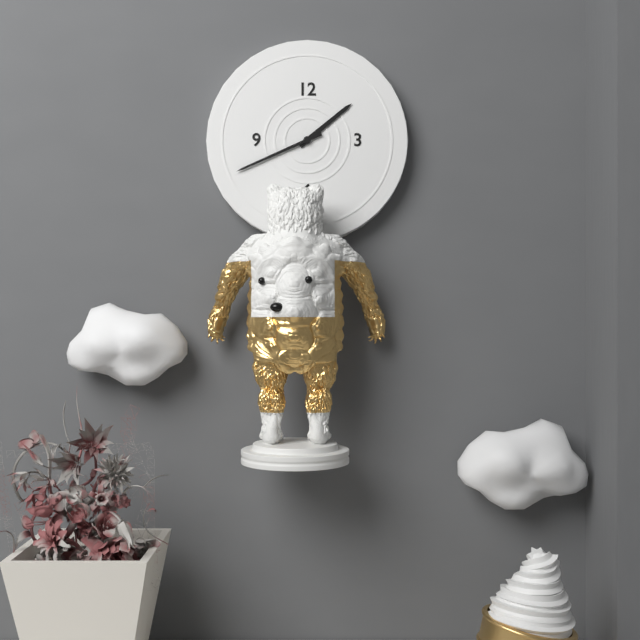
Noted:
1,41
